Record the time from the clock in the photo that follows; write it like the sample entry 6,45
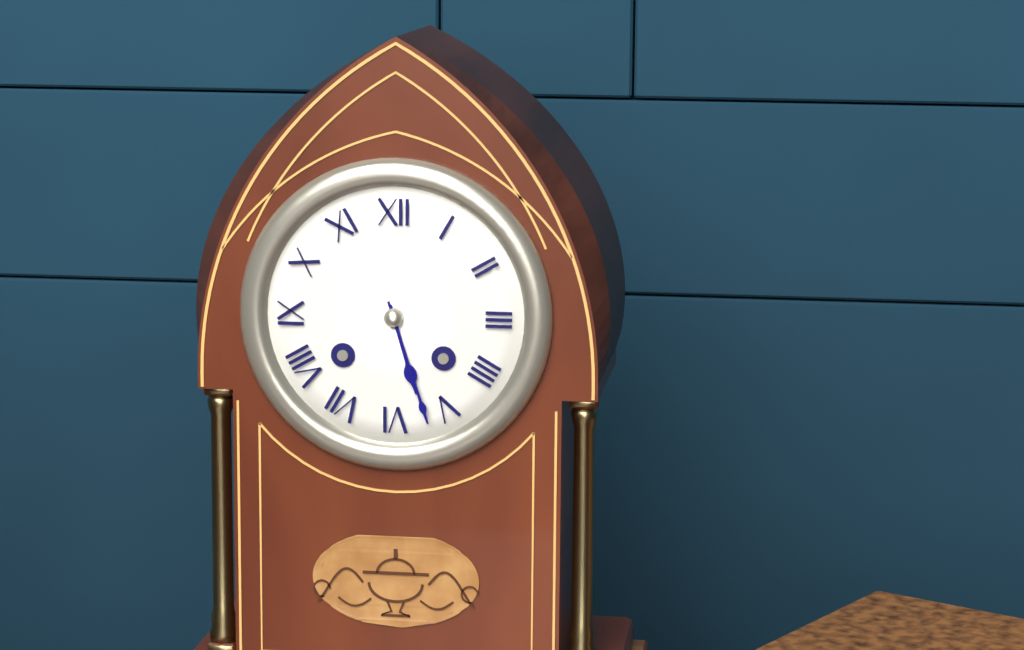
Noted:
5,27
